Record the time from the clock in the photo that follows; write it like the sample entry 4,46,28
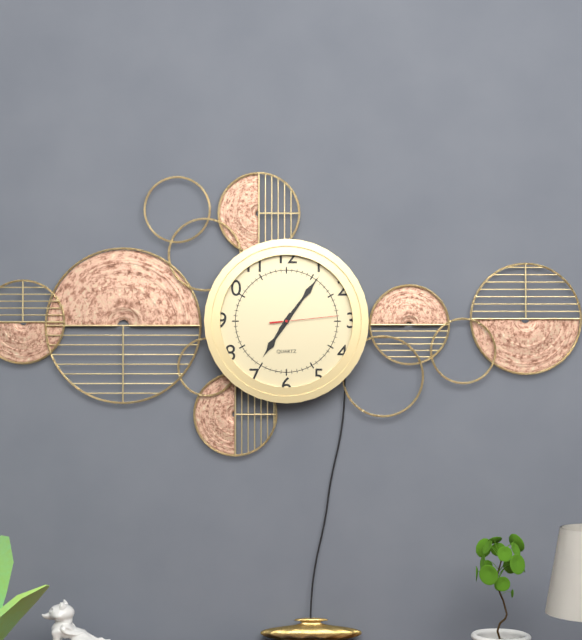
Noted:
7,06,14
